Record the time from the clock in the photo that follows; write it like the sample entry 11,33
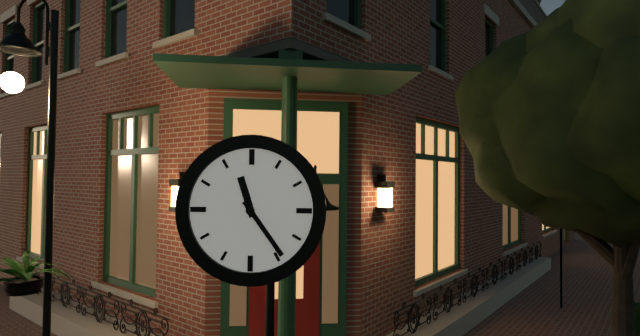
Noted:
11,24
